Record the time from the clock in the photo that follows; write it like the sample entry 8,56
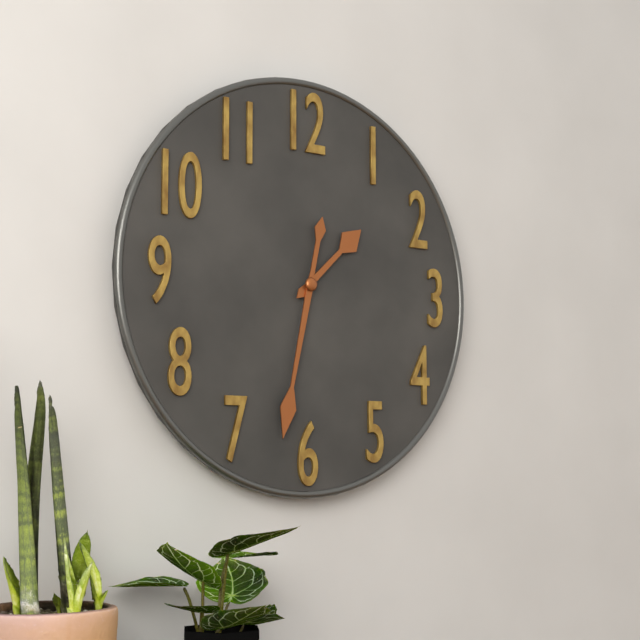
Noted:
1,32
